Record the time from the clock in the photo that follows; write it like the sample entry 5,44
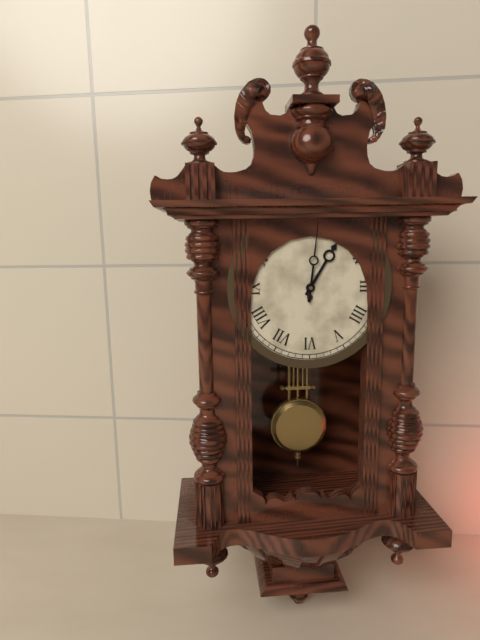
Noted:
1,01
